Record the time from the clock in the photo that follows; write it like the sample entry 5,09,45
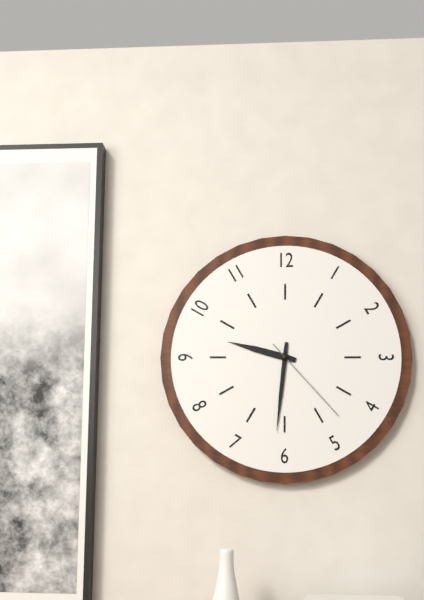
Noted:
9,31,23
